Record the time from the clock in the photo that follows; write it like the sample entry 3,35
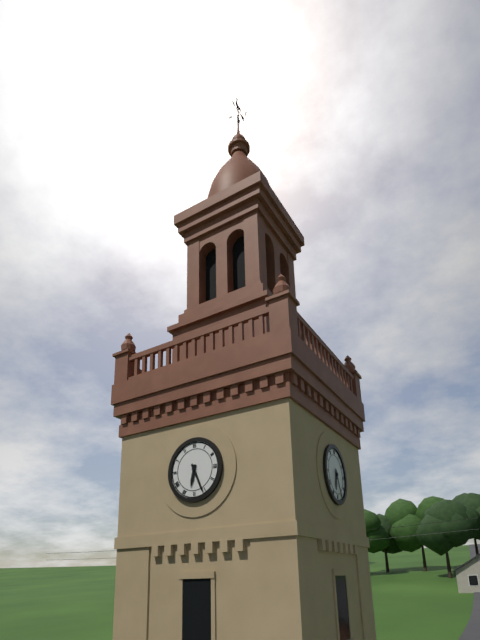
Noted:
6,26
